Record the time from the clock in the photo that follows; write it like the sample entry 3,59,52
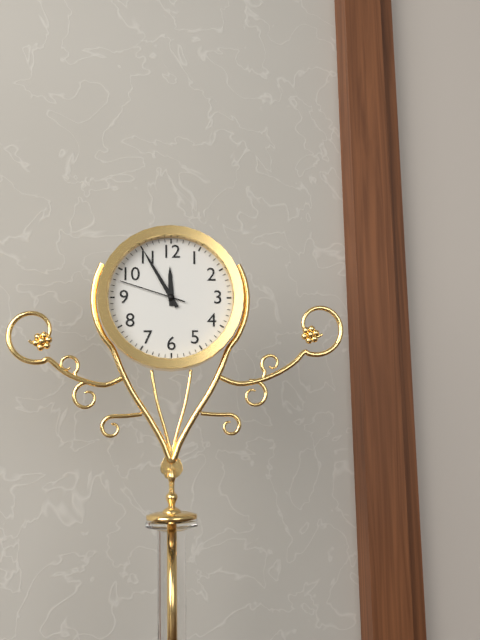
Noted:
11,55,48
